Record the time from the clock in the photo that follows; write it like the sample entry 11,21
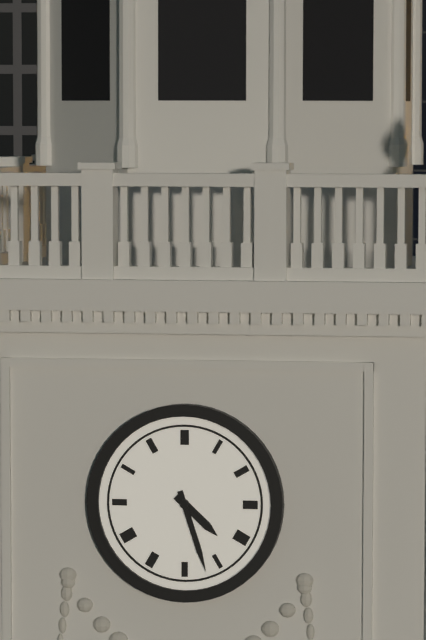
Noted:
4,27
